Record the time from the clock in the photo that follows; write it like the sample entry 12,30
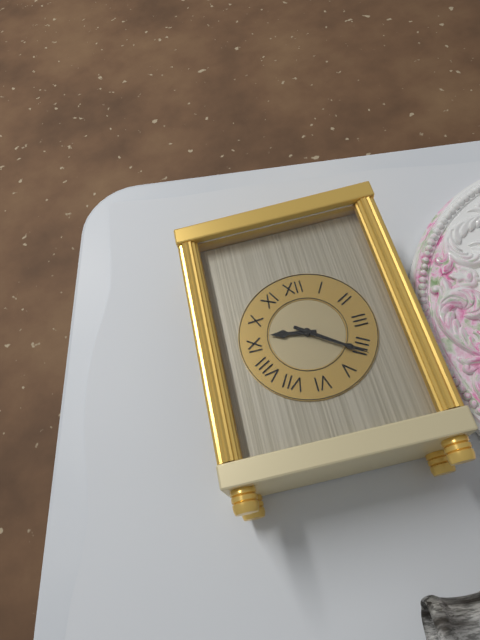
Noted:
9,21
